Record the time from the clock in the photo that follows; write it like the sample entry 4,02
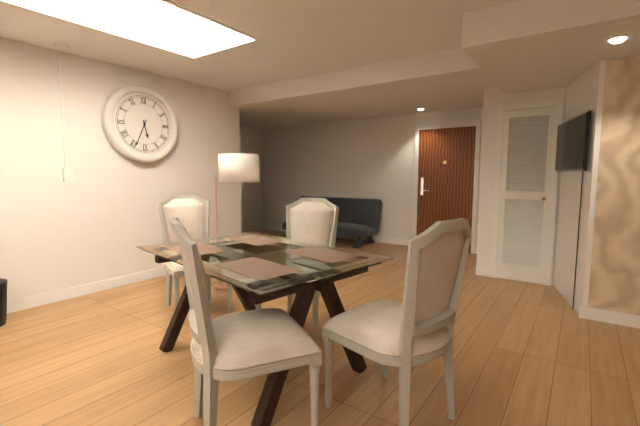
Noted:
5,34
